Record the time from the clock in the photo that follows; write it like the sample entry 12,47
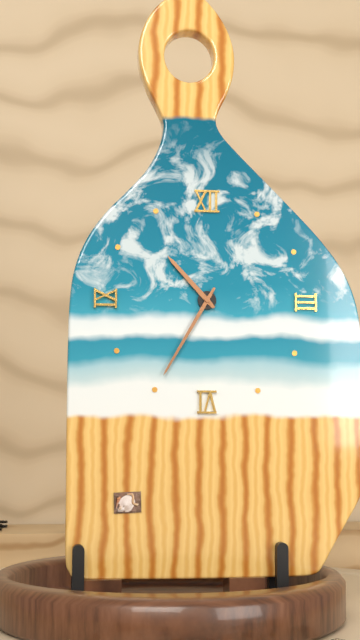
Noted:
10,35
